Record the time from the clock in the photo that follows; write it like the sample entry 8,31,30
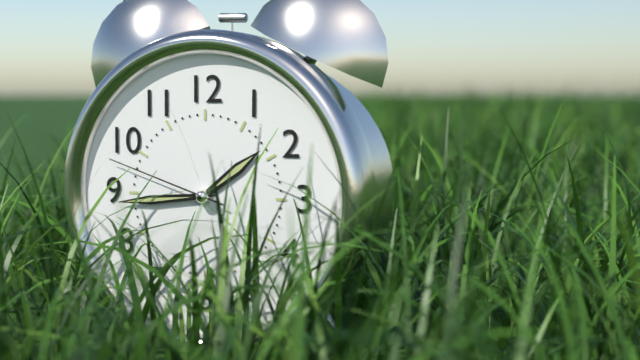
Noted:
1,44,48
